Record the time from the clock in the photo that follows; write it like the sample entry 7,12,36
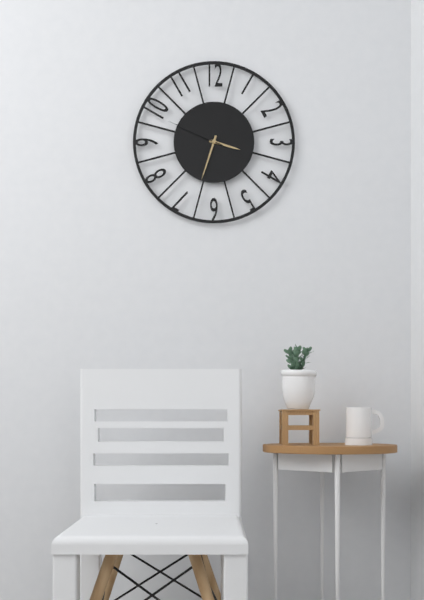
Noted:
3,33,49
